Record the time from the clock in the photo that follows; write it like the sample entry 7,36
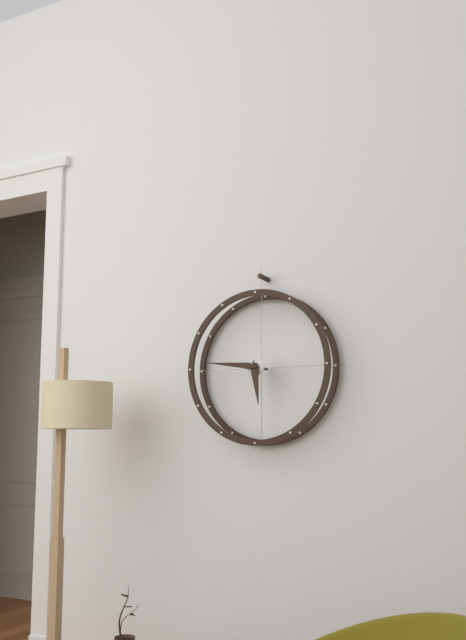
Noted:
5,46
